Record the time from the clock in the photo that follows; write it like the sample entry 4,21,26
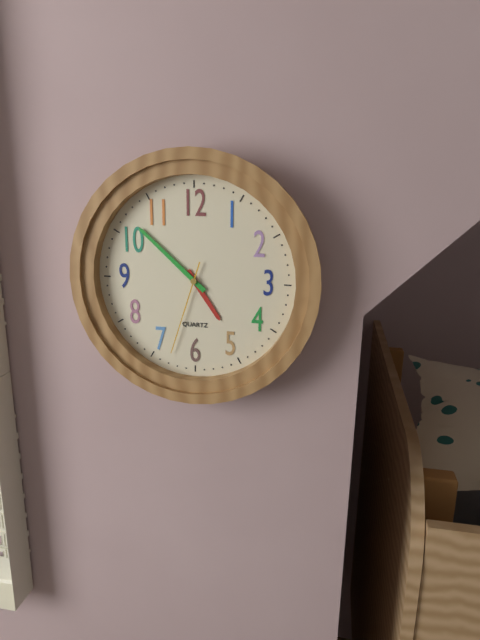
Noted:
4,52,33
